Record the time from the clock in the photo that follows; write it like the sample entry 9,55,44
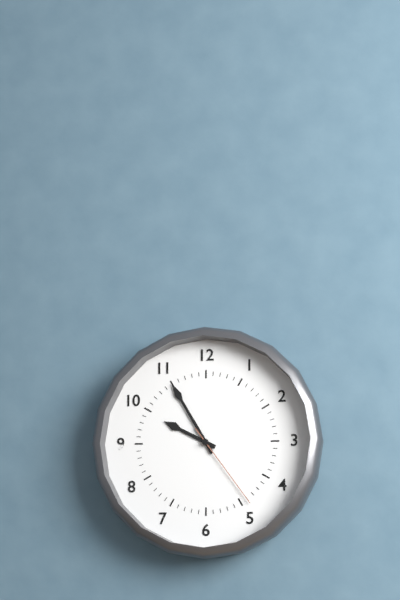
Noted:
9,55,24
